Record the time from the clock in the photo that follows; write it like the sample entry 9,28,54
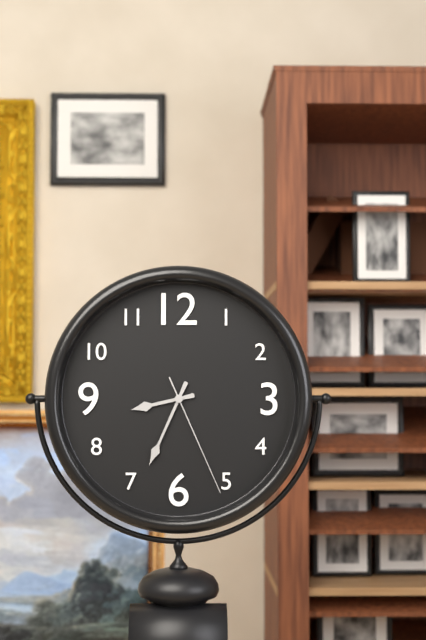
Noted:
8,34,26
